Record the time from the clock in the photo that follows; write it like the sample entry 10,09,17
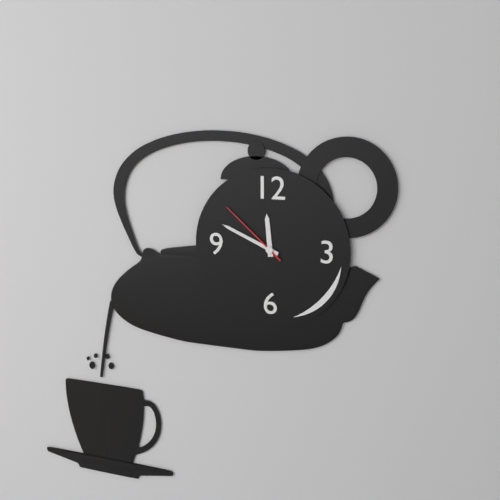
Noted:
11,49,52
